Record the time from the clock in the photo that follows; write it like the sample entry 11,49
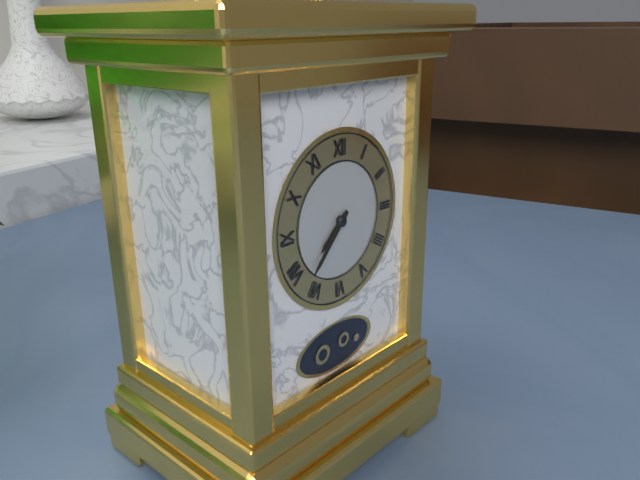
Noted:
7,37
